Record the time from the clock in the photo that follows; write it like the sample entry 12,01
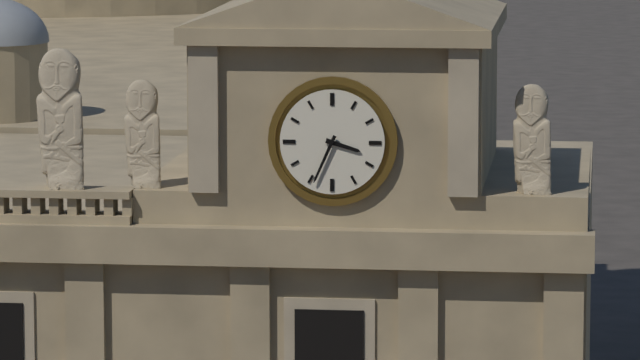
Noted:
3,34
